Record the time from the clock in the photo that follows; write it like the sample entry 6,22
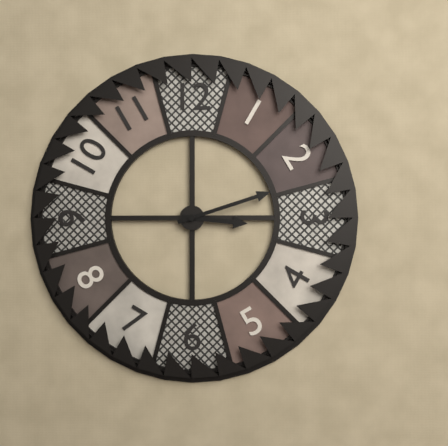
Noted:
3,12
